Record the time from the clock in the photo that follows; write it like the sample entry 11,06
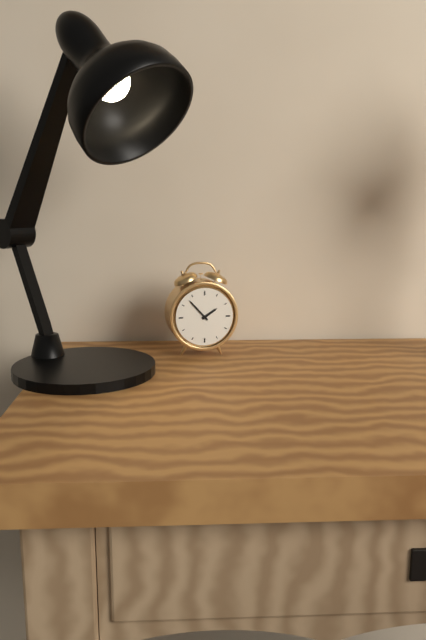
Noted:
1,53
